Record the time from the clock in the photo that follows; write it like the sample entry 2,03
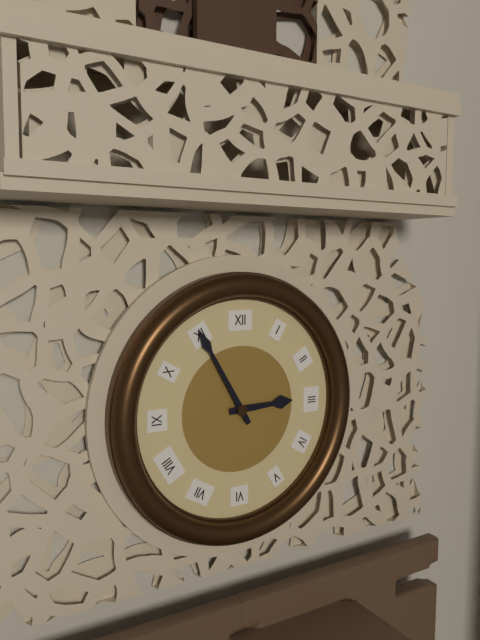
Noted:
2,55
